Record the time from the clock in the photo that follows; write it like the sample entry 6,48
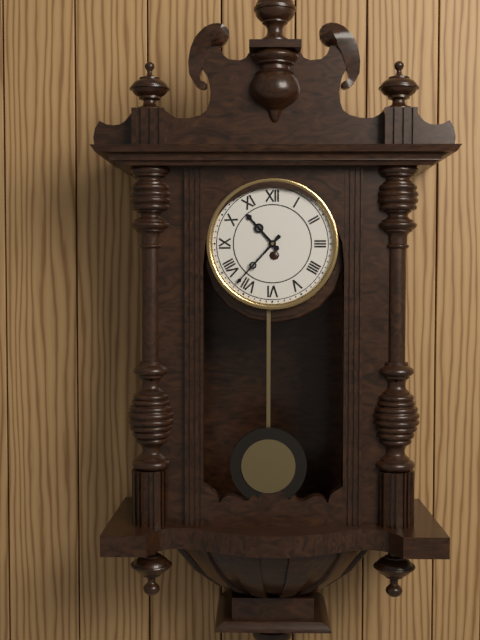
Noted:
10,37
